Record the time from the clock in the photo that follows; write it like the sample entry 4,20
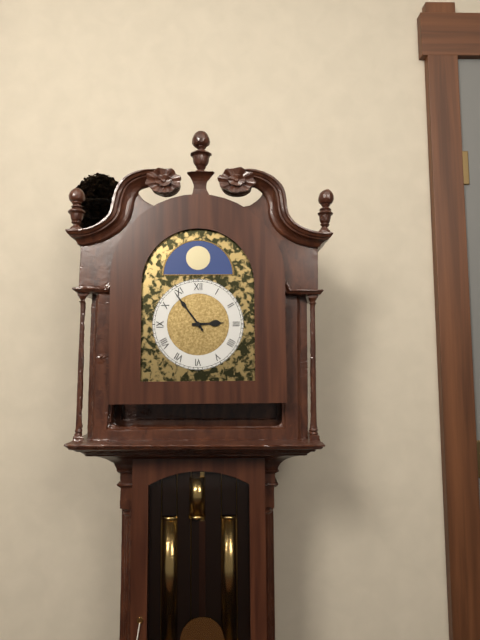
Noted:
2,54
